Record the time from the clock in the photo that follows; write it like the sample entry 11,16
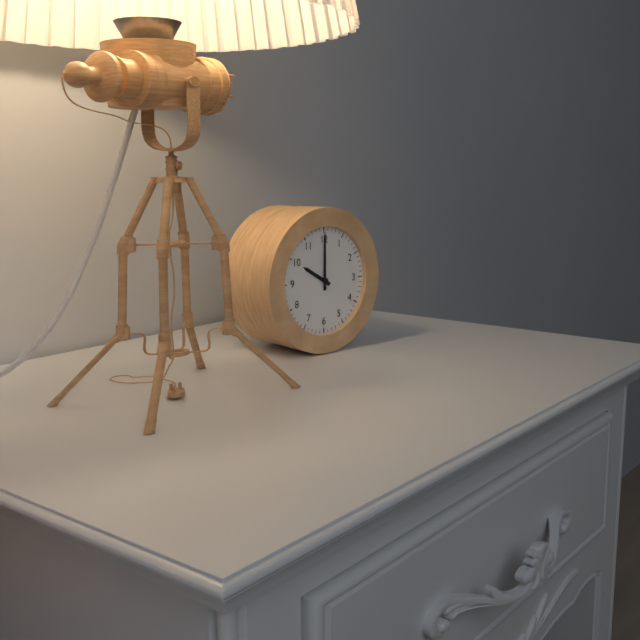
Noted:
10,00
